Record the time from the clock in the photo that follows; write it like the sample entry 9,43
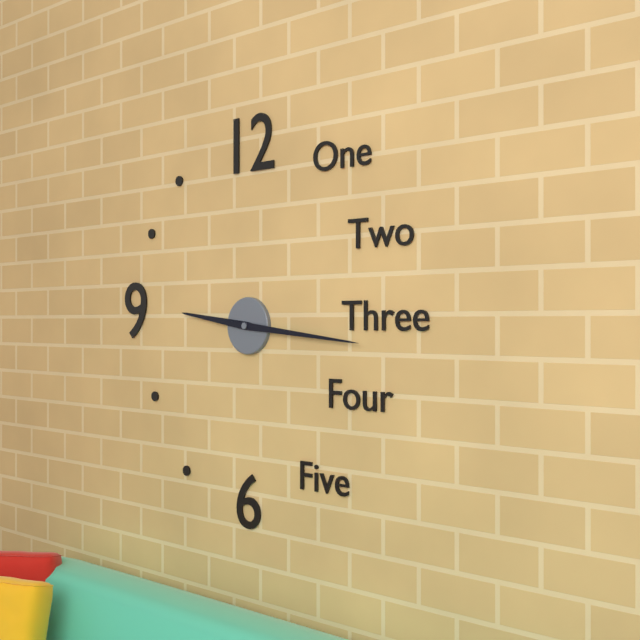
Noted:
9,16
